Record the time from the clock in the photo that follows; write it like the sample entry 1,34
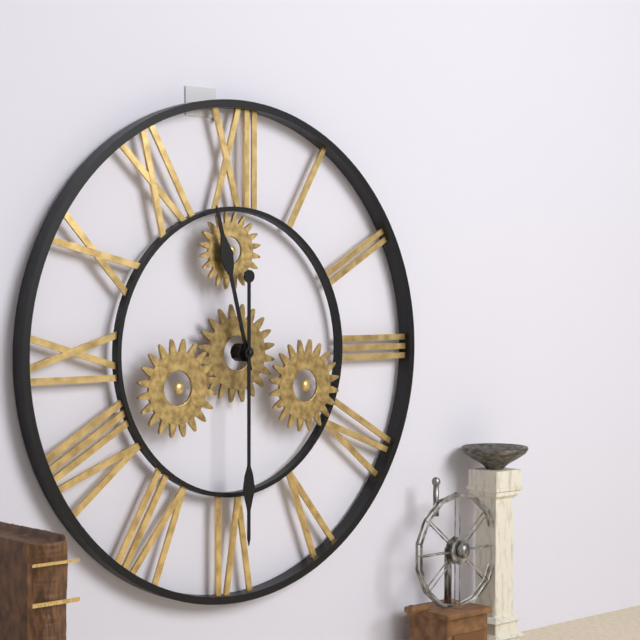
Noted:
11,30
